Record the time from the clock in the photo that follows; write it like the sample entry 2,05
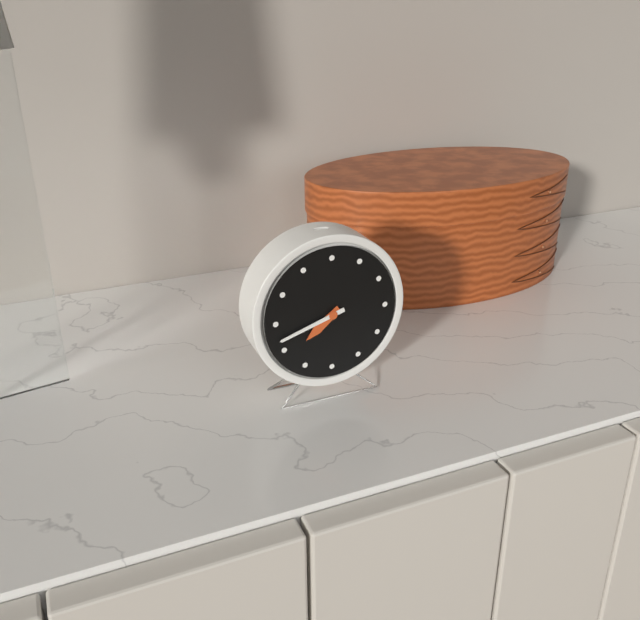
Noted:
7,42
